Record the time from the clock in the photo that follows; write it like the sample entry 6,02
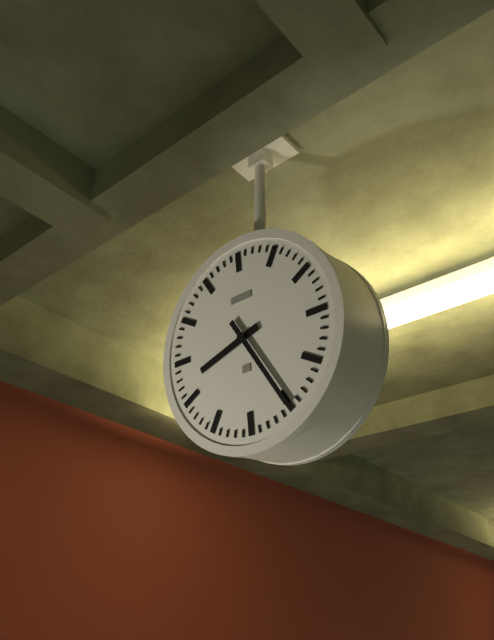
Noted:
8,25
